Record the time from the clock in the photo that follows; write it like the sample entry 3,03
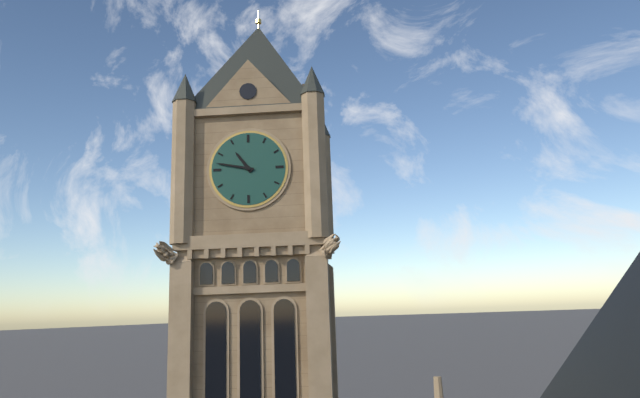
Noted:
10,47
